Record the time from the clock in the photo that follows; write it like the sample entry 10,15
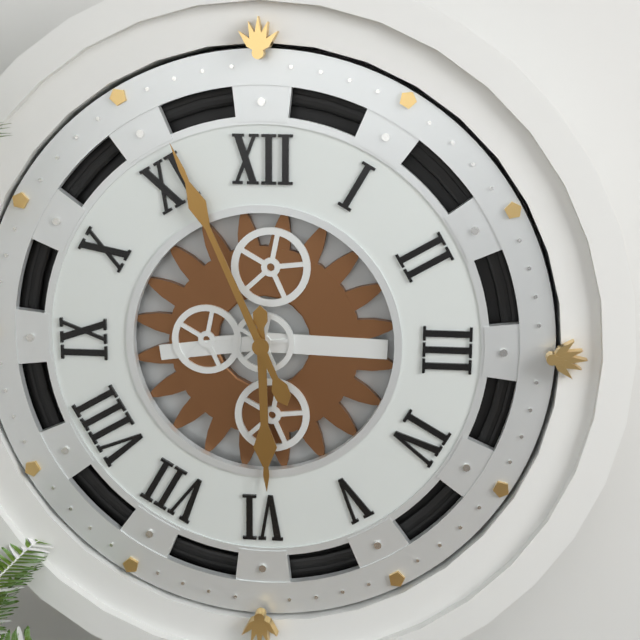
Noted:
5,56
